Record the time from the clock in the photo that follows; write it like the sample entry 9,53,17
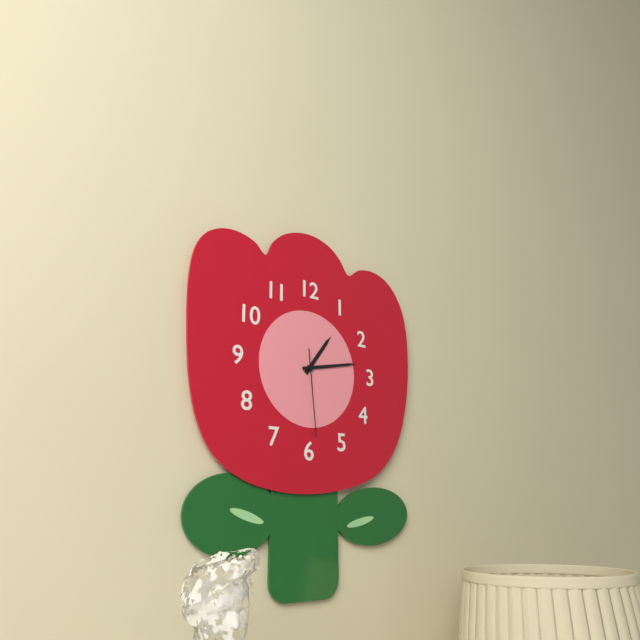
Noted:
1,13,29
